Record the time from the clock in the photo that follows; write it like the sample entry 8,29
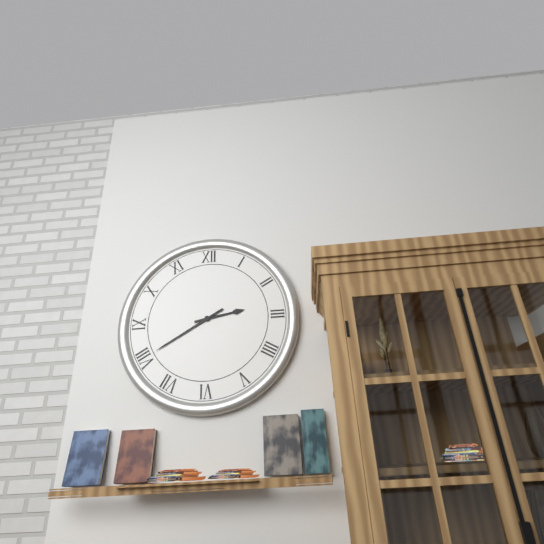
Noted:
2,40
